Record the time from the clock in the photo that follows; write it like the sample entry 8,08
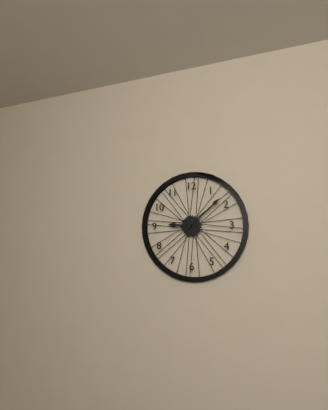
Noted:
9,08
